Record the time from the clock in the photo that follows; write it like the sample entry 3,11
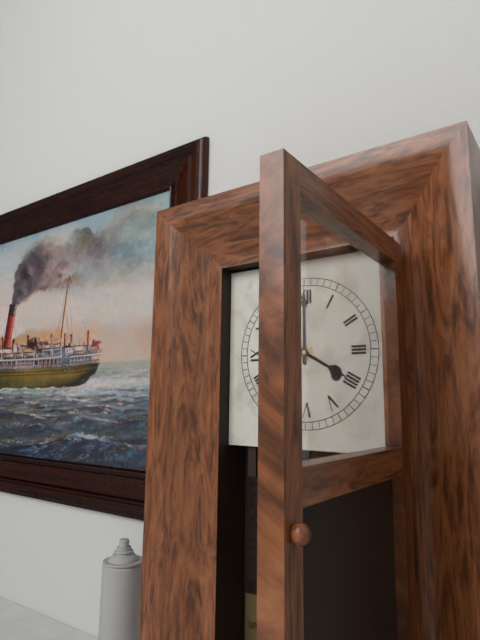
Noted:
4,00
